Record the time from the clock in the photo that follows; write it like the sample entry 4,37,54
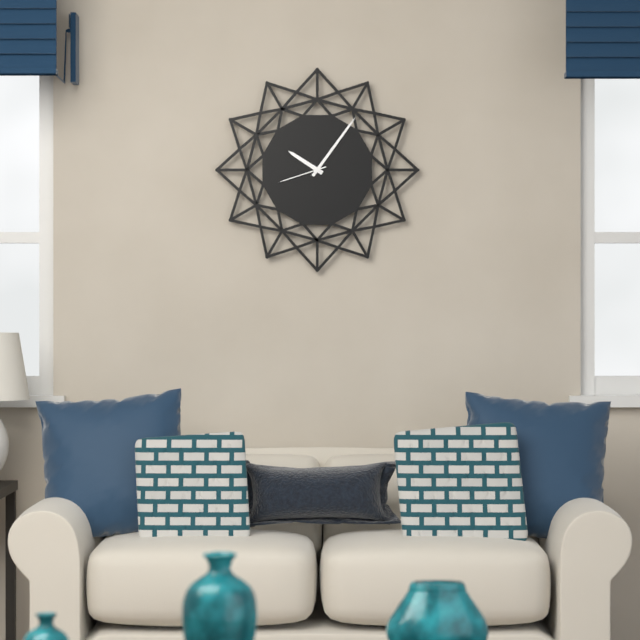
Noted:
10,06,42
